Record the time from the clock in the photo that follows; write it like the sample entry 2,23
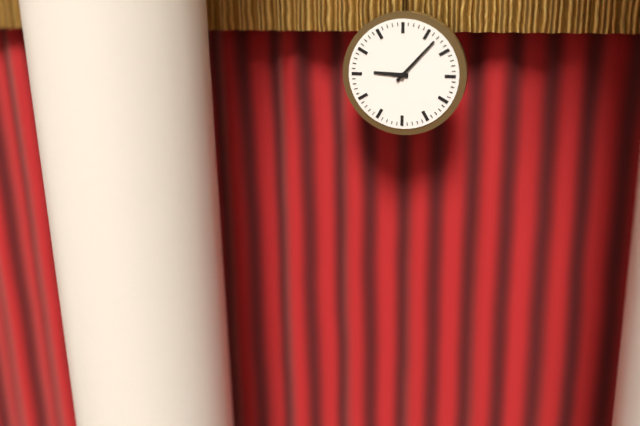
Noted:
9,07
